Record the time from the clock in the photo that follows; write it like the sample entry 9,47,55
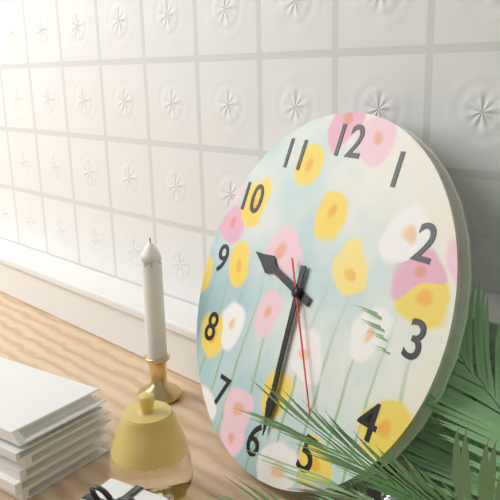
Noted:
9,29,24
